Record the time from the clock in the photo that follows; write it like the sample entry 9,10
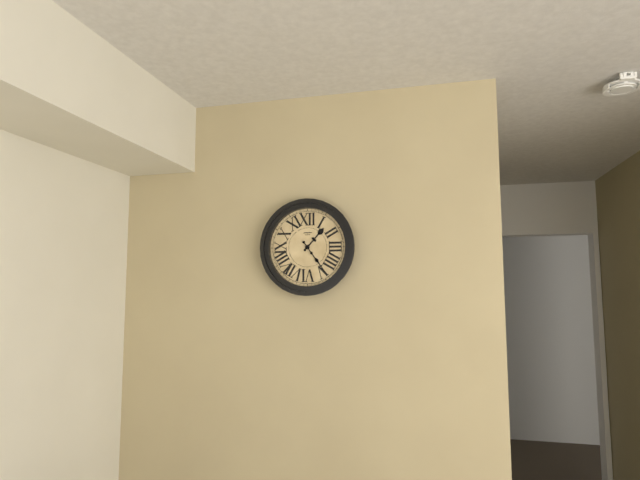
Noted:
1,24
